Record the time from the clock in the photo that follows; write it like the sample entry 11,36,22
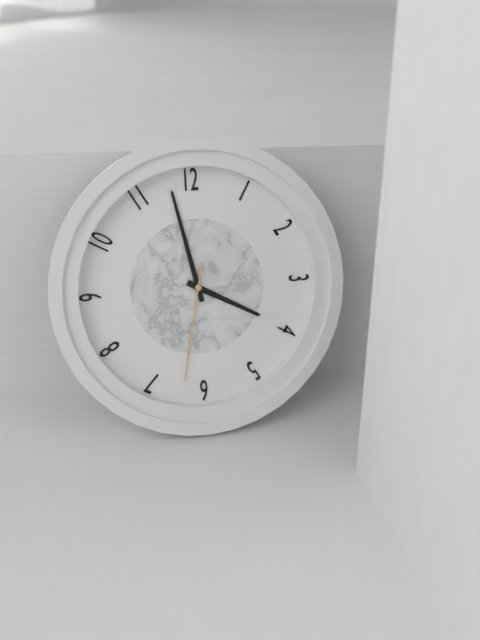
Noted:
3,58,32
